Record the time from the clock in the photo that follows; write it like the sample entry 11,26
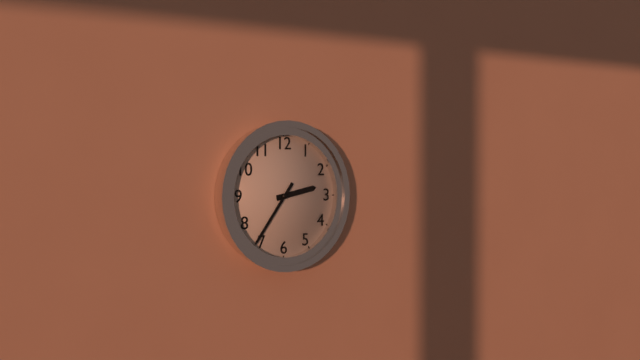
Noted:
2,36
